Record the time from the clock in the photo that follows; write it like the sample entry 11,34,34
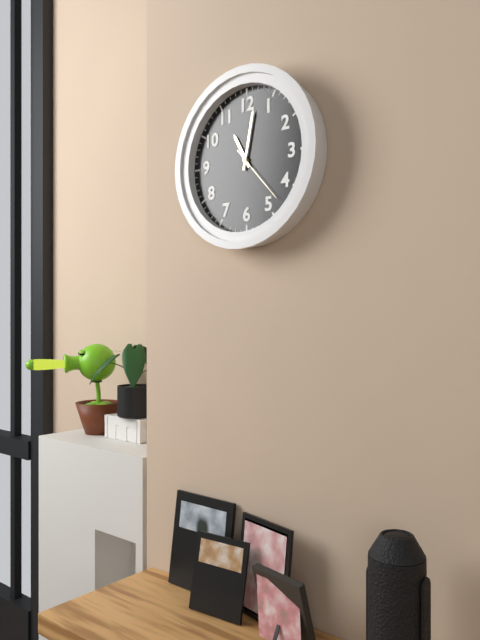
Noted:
11,02,23
